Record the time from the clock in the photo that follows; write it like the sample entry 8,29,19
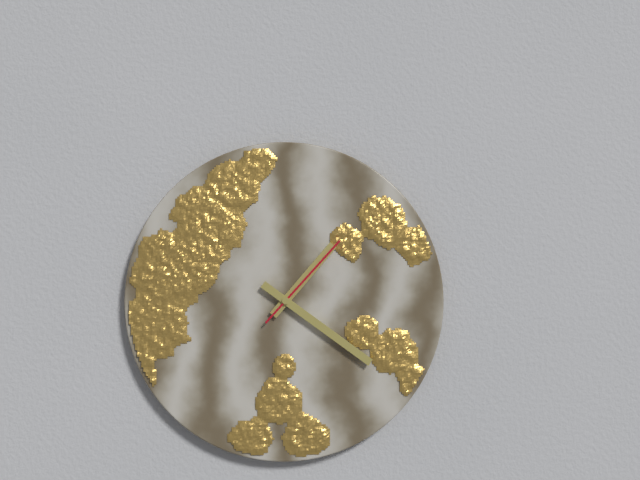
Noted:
1,21,07
